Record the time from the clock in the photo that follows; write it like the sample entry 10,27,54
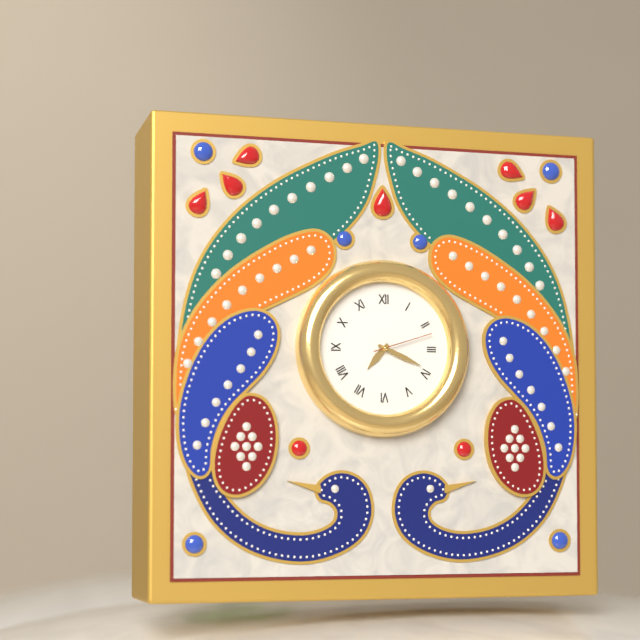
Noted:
7,19,12
